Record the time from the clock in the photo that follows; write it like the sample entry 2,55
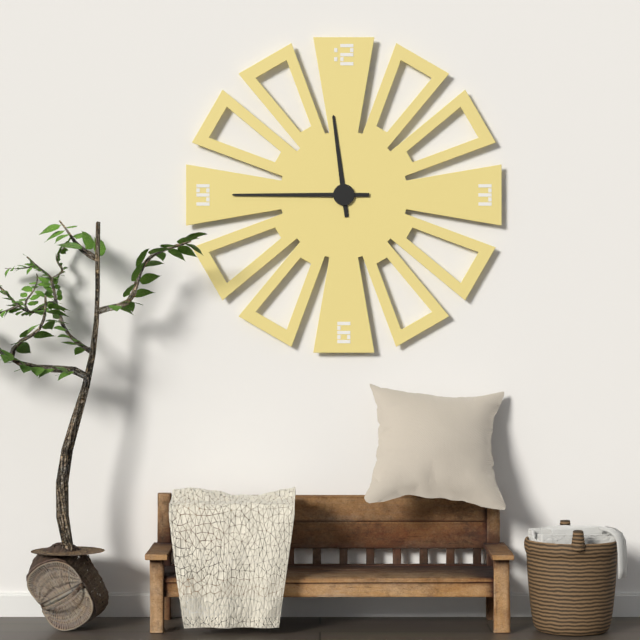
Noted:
11,45
